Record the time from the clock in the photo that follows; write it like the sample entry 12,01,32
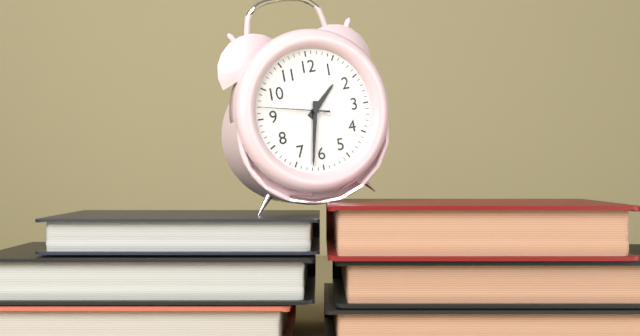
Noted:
1,32,47
